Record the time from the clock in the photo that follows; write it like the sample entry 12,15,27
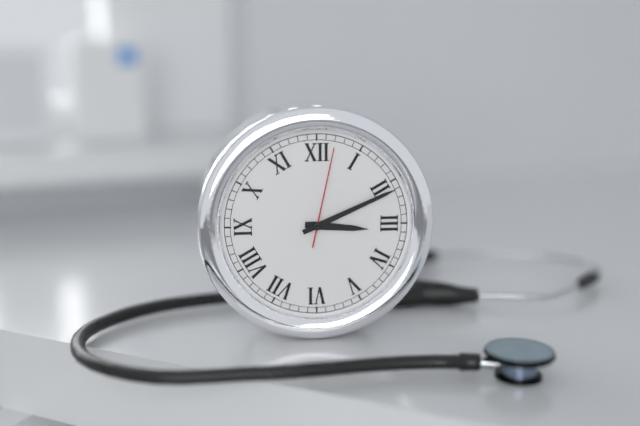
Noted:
3,11,02
